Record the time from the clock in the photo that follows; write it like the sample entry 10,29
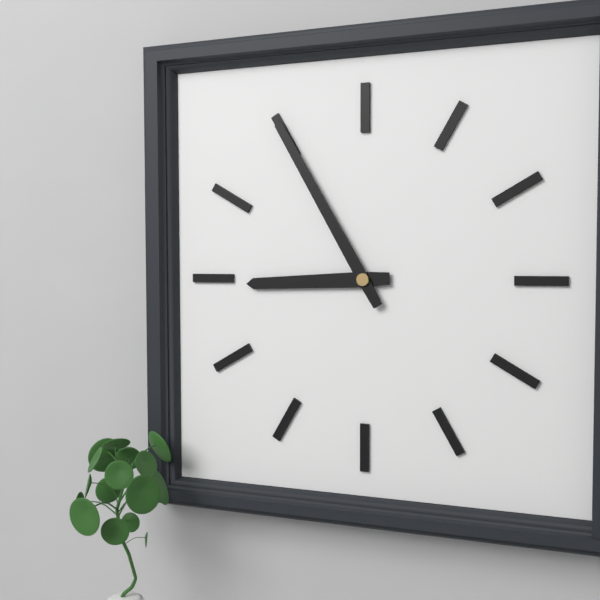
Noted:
8,55
